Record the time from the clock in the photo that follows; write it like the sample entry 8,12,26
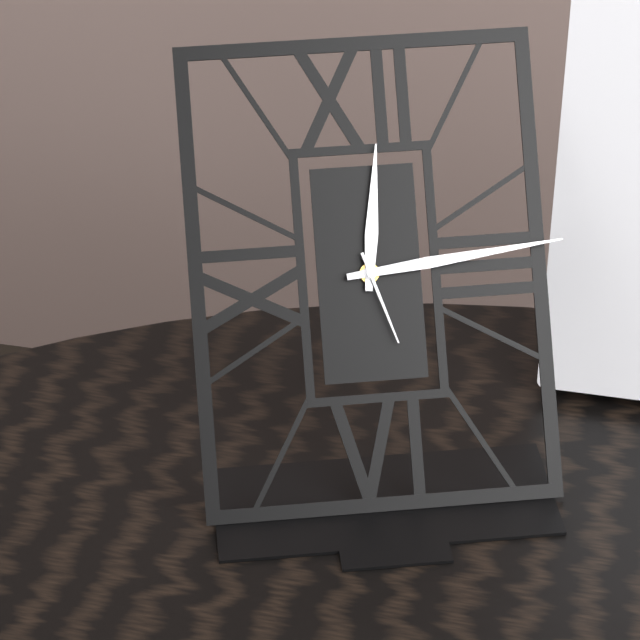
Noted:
12,14,27
